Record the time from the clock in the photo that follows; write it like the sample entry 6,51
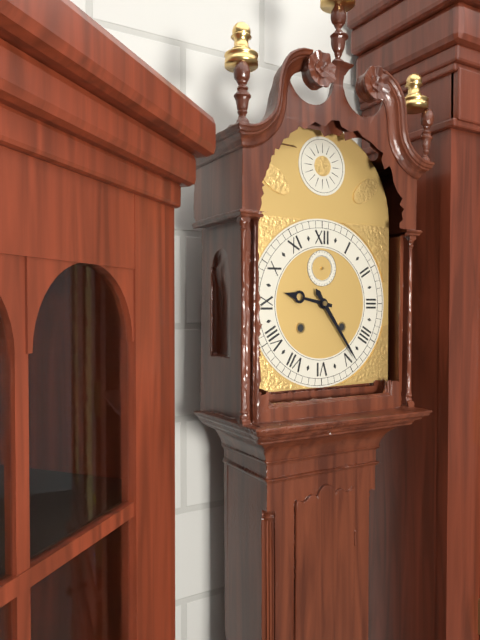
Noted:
9,24
